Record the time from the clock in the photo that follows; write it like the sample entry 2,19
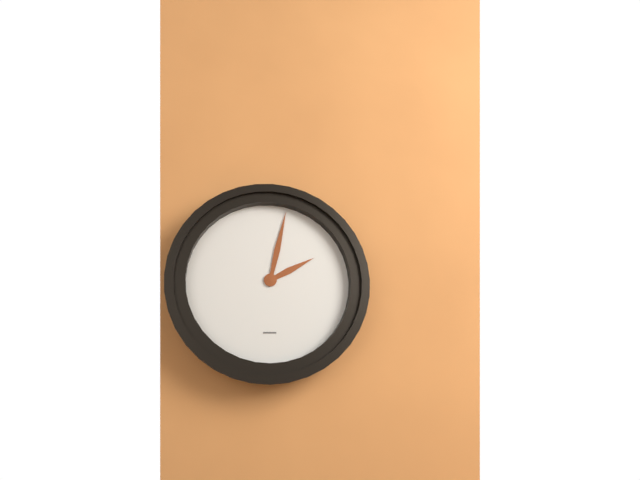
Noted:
2,02
